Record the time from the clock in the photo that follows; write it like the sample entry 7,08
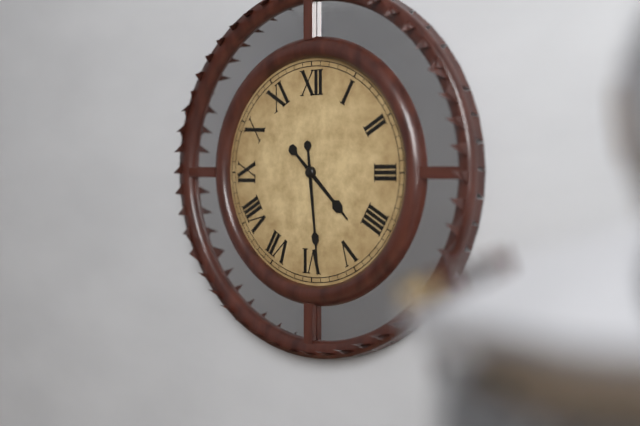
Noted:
4,29
